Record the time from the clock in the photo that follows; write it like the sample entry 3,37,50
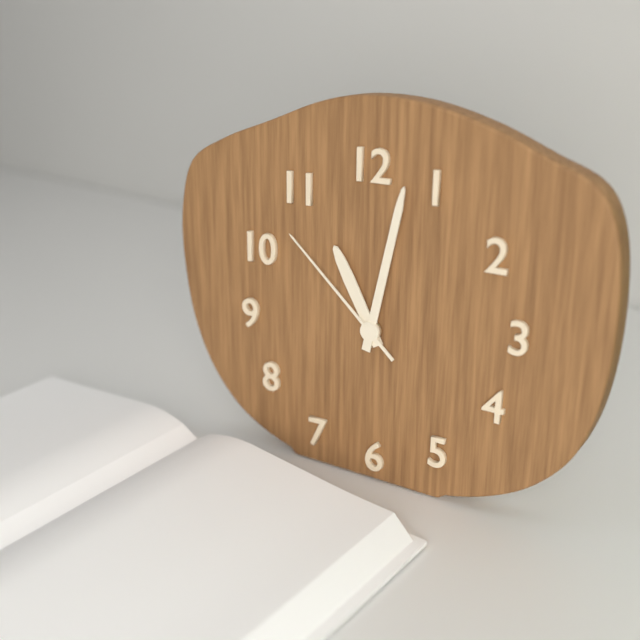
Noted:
11,02,52
